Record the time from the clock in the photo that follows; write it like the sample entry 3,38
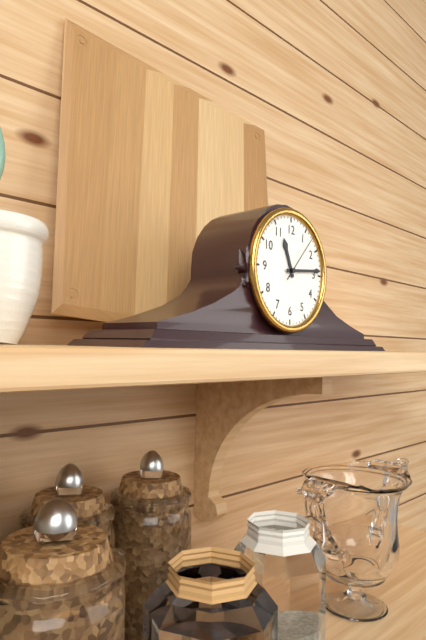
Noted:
11,14
